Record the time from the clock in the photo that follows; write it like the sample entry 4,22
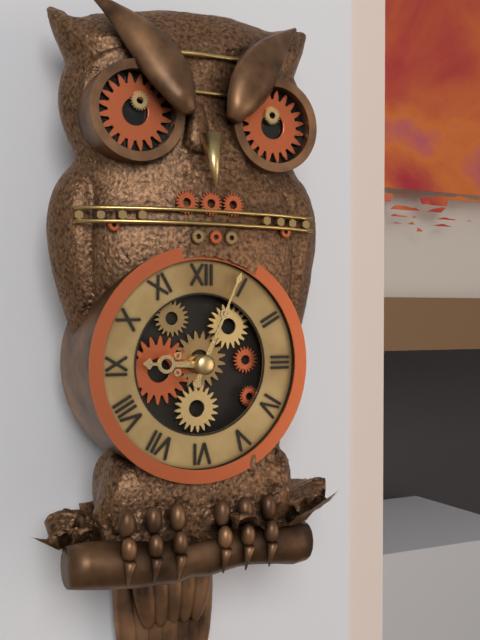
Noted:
9,04
